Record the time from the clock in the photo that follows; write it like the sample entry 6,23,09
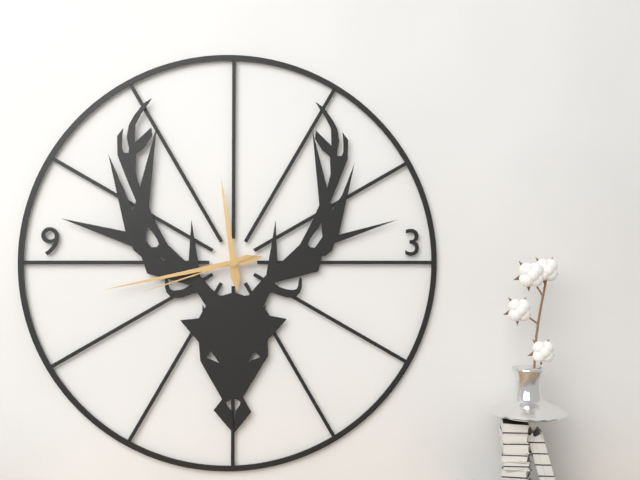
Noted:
11,43,42
